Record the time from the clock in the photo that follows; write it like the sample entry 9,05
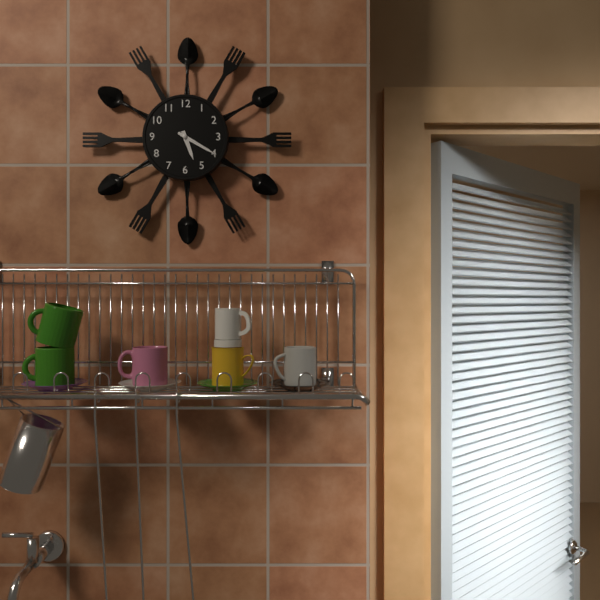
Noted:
5,20
